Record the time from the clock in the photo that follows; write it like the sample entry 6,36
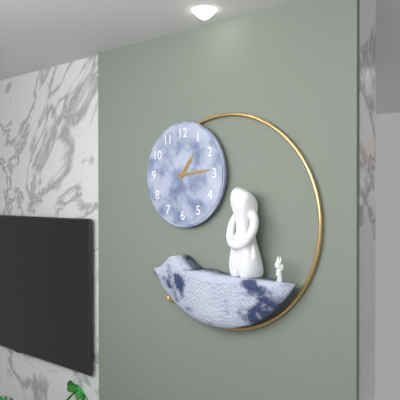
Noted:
1,14
